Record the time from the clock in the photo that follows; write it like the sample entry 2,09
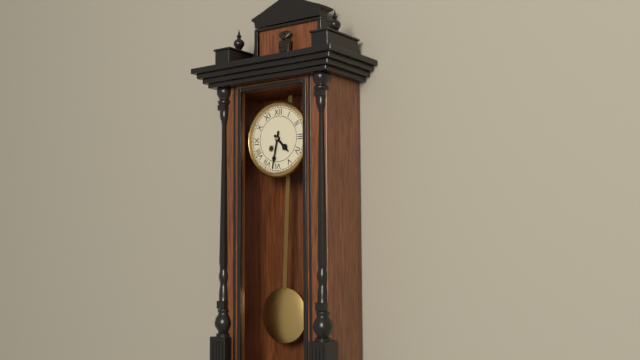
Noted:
4,32
